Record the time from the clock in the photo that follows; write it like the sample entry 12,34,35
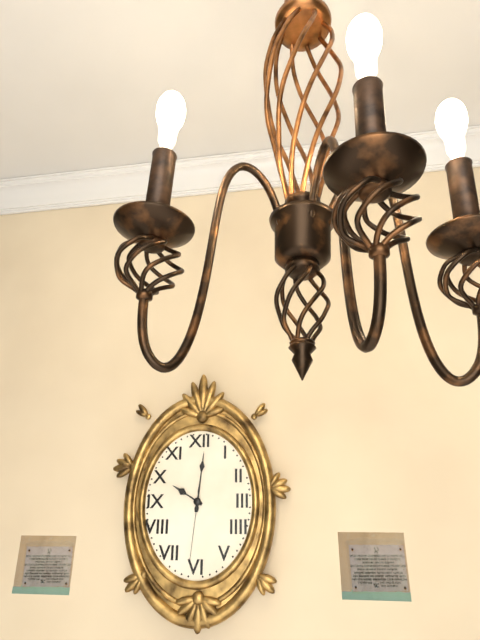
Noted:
10,01,31
